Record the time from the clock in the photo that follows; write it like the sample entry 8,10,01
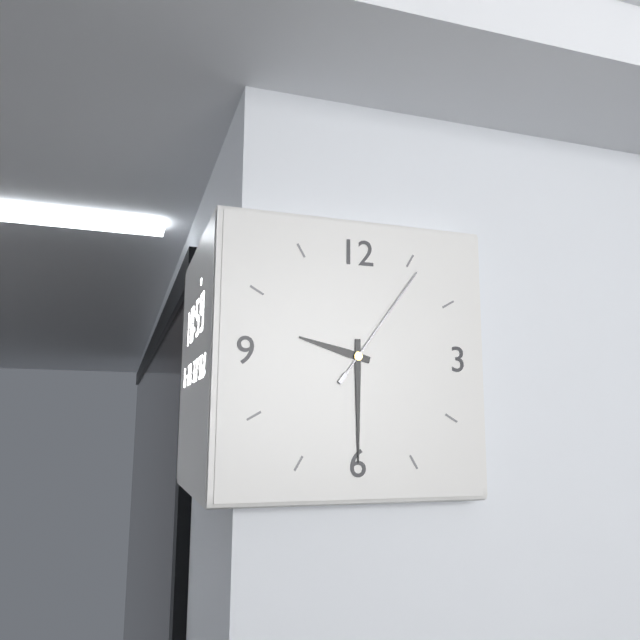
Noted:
9,30,06
